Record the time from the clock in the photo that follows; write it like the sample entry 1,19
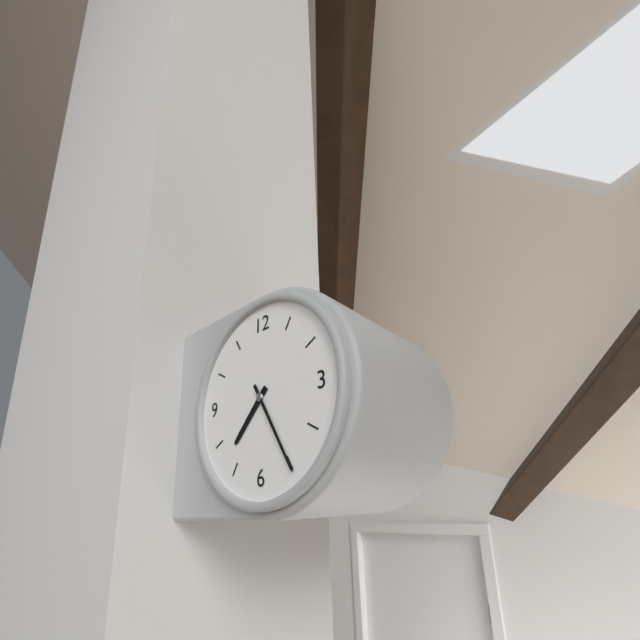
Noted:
7,25
